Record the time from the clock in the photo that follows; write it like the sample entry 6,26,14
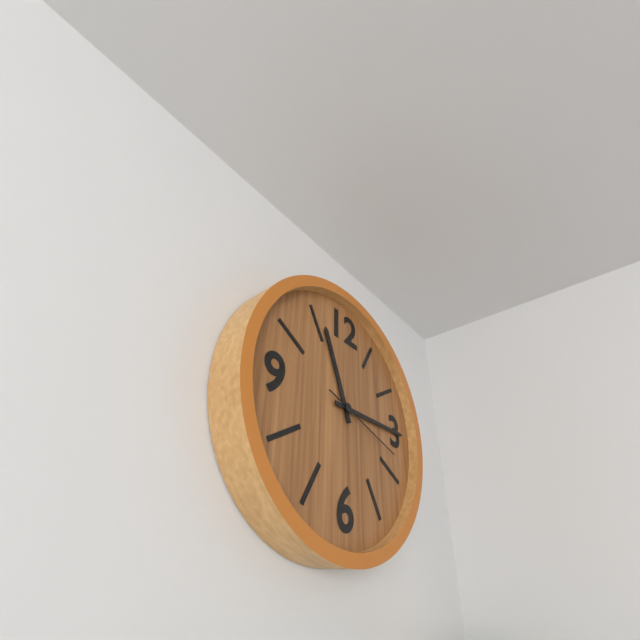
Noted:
11,15,18
